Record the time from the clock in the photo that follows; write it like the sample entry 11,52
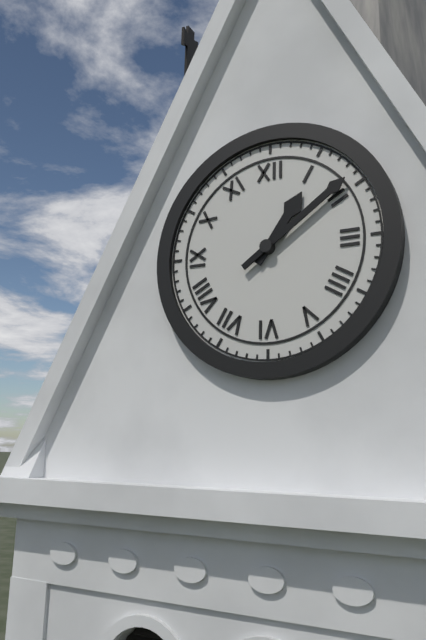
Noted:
1,09
